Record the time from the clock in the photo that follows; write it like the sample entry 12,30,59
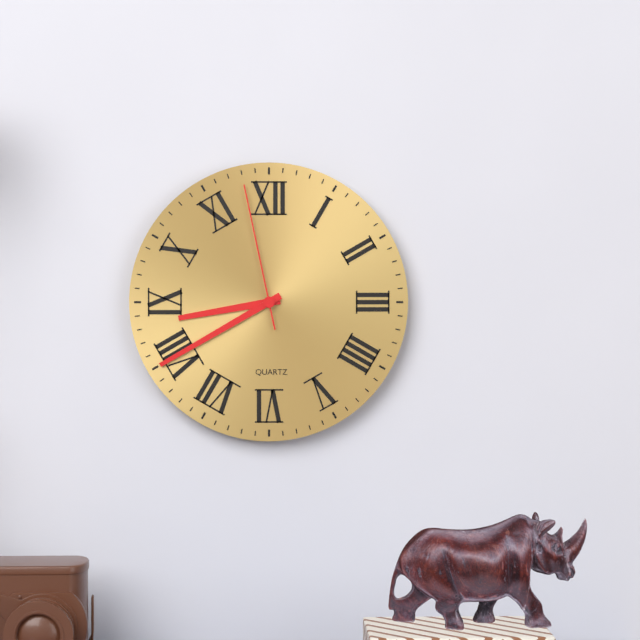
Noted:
8,40,58
